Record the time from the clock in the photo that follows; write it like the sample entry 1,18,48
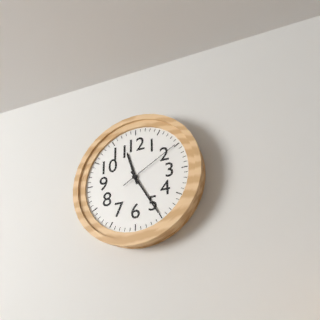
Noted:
11,25,10
